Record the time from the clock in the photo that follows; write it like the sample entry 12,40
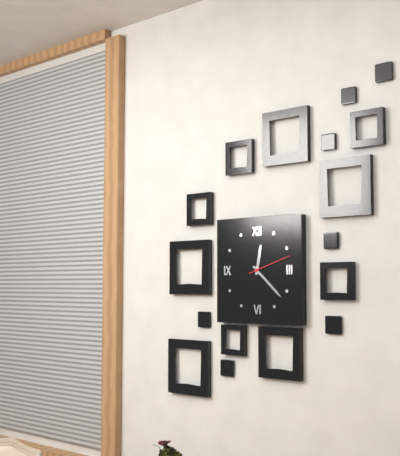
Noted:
12,22
